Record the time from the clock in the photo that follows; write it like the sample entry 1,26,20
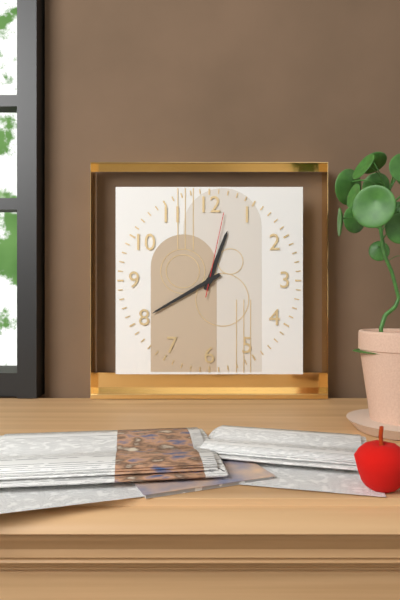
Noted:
12,40,02
